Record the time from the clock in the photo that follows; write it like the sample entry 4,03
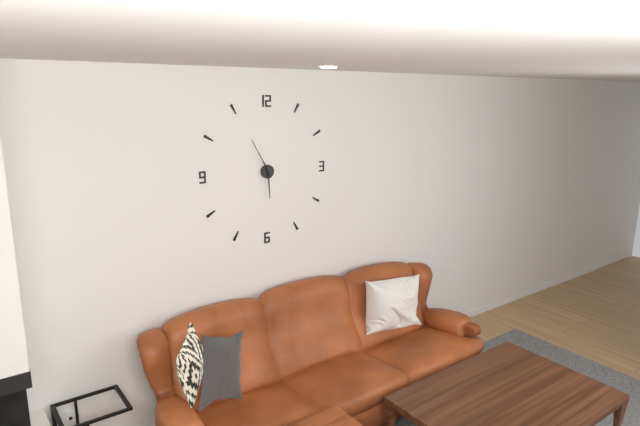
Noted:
5,55
